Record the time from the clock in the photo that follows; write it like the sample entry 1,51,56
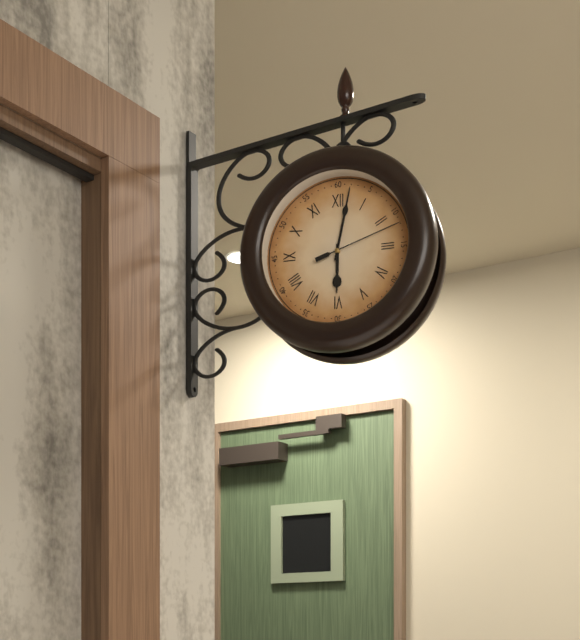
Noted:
6,02,12
